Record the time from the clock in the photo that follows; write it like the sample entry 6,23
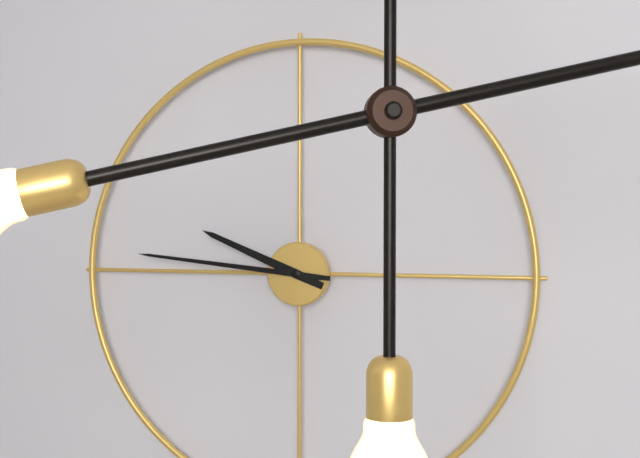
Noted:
9,46
